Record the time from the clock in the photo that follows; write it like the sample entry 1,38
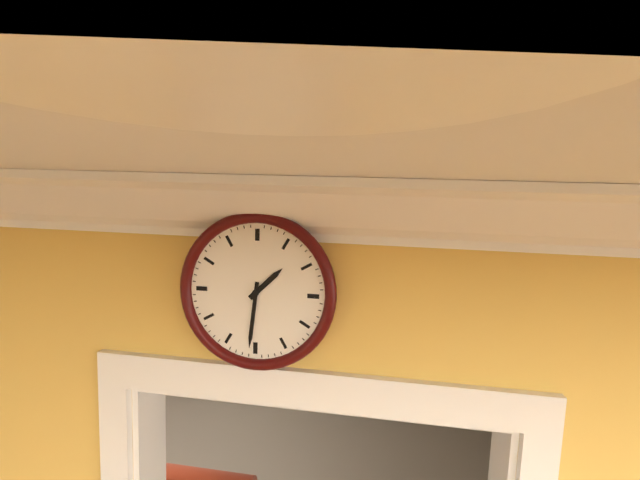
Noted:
1,31
